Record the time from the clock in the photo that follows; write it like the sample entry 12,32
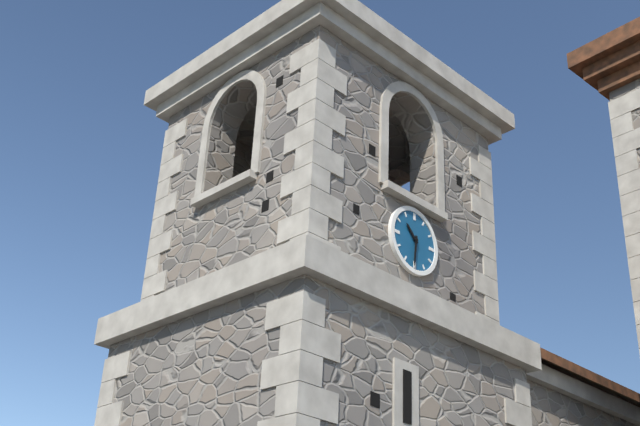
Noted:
10,31
